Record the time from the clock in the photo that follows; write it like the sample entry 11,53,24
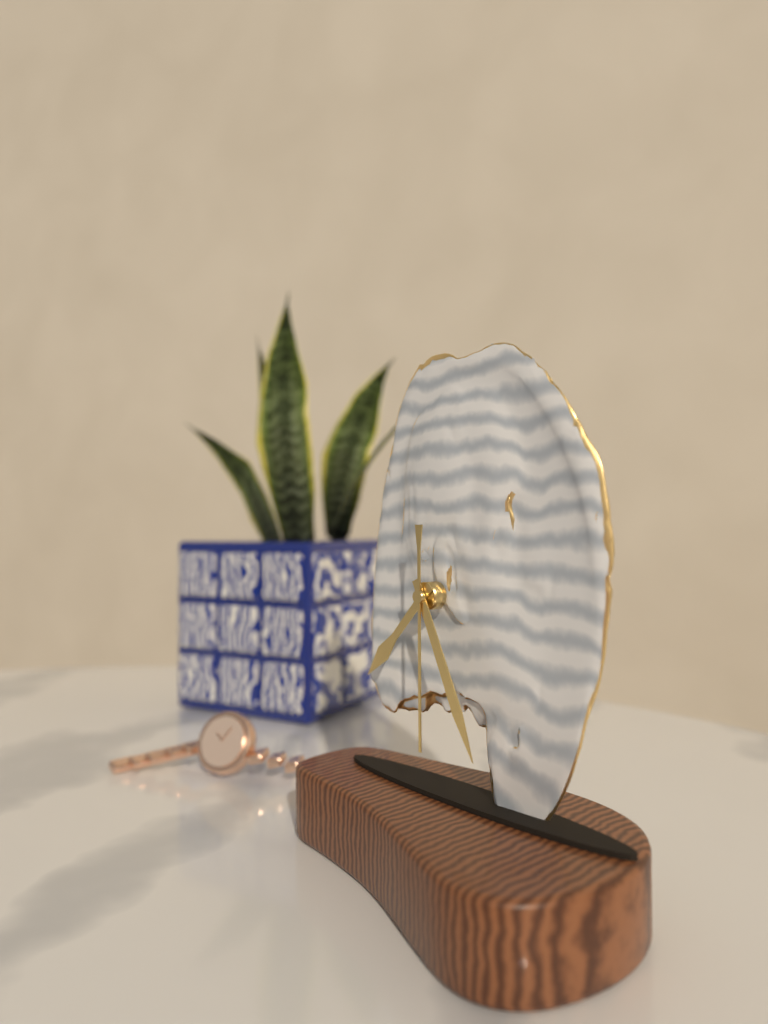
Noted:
7,26,30
